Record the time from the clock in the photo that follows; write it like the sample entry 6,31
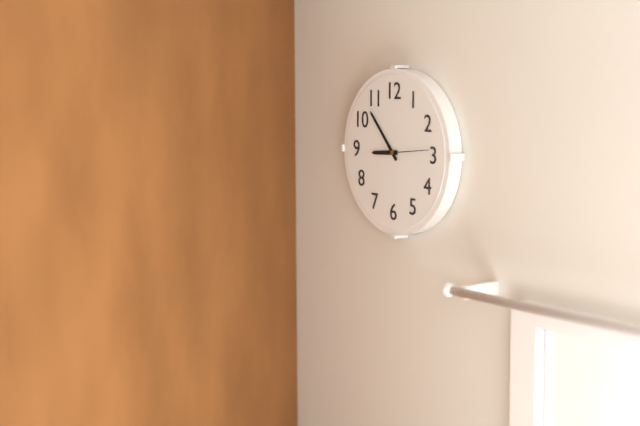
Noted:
8,53
